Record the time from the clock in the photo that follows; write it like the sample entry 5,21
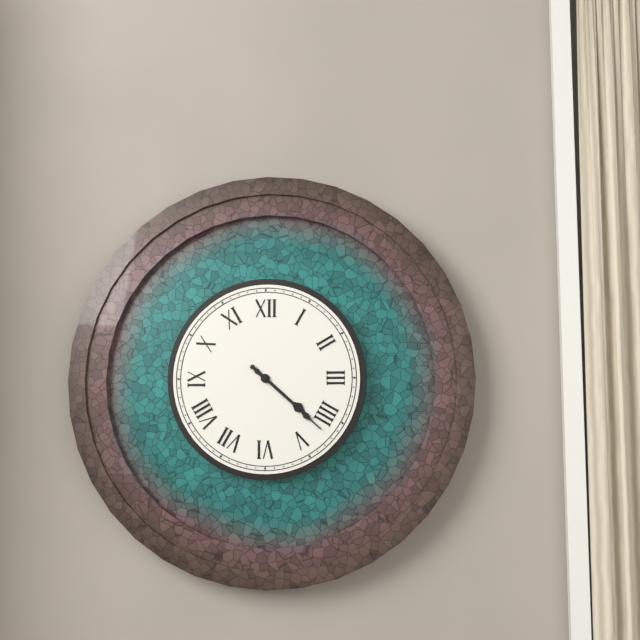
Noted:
4,22
